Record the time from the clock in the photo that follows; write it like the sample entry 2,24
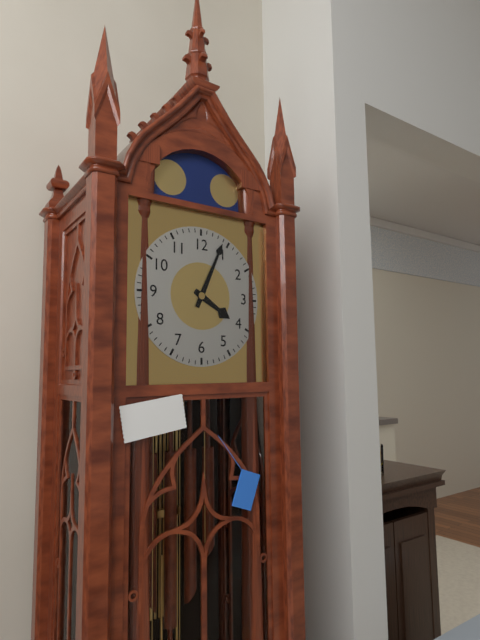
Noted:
4,04
